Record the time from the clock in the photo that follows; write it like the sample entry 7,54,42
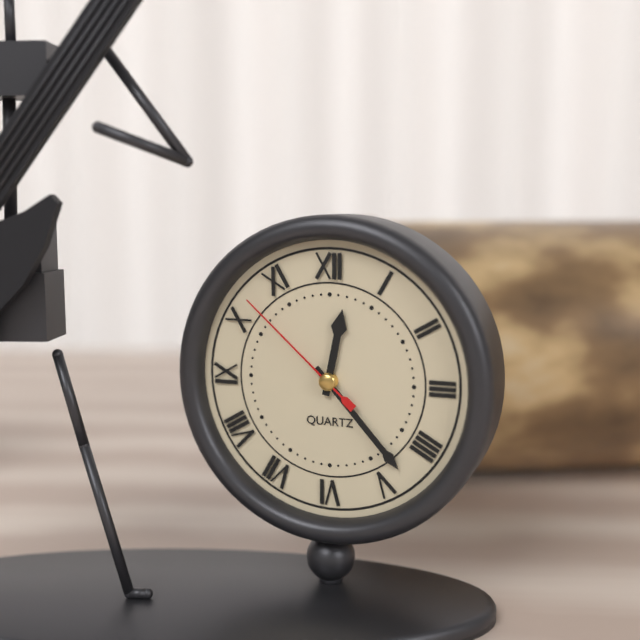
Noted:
12,23,52
